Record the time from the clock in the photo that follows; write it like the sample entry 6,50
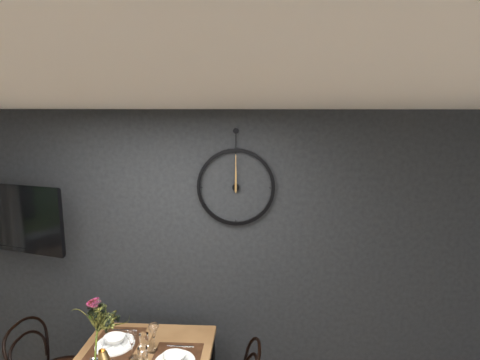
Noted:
12,00
